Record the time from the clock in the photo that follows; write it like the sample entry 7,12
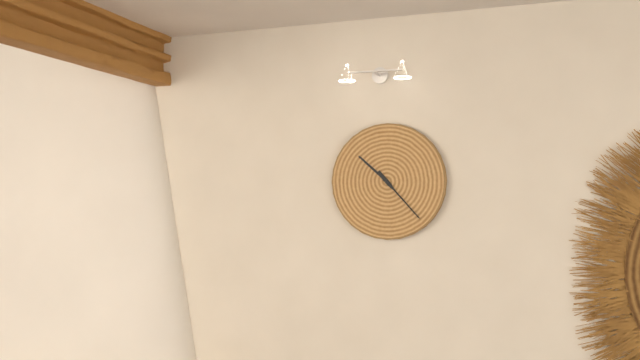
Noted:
10,23
